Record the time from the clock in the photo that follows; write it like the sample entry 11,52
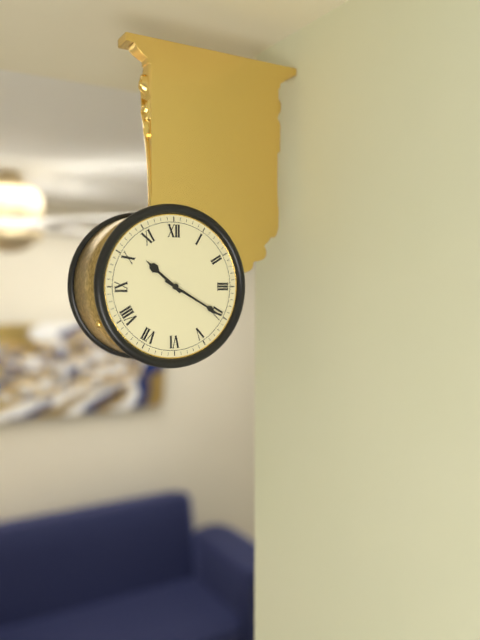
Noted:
10,20
